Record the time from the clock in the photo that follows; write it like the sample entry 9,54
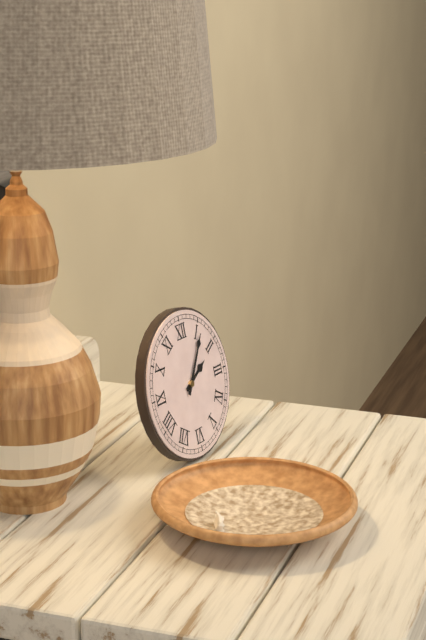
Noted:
2,06
